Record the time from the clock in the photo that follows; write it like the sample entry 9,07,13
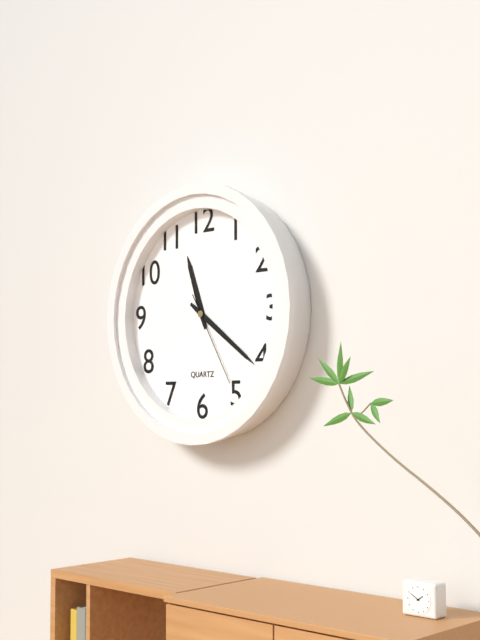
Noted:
11,21,25
